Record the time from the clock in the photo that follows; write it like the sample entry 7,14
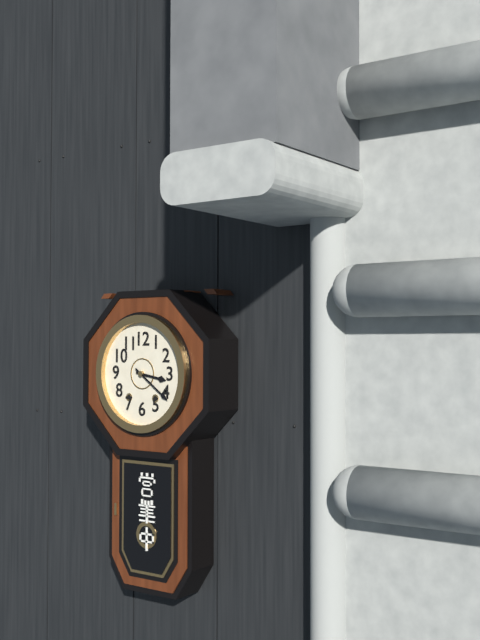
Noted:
3,21
